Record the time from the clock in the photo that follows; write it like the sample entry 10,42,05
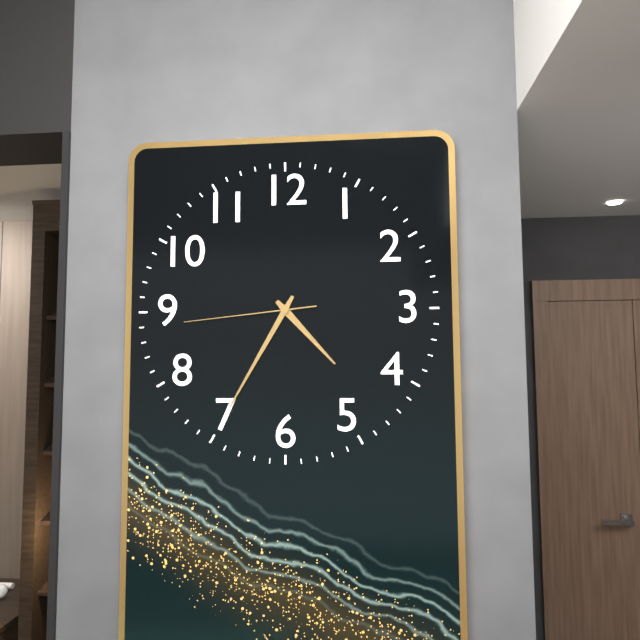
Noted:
4,35,44
